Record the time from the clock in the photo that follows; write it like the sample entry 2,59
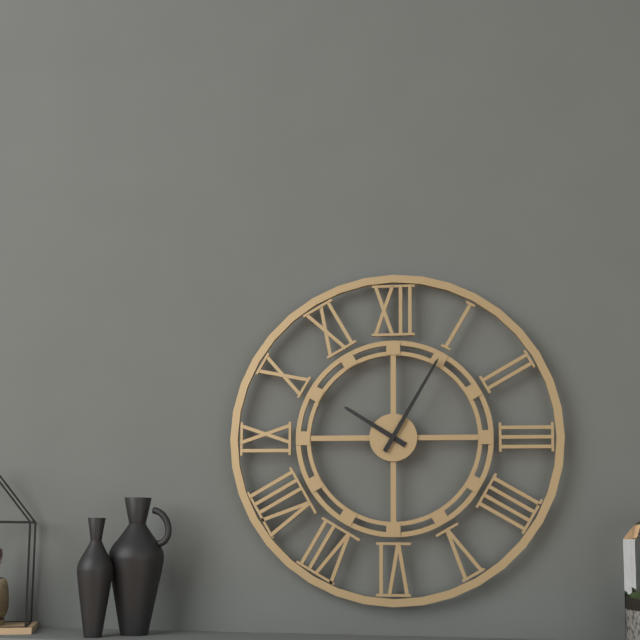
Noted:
10,05
